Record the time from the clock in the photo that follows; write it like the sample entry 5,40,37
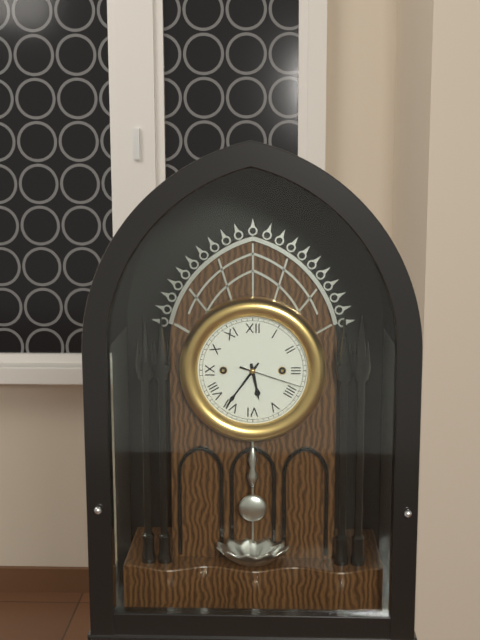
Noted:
5,36,18
